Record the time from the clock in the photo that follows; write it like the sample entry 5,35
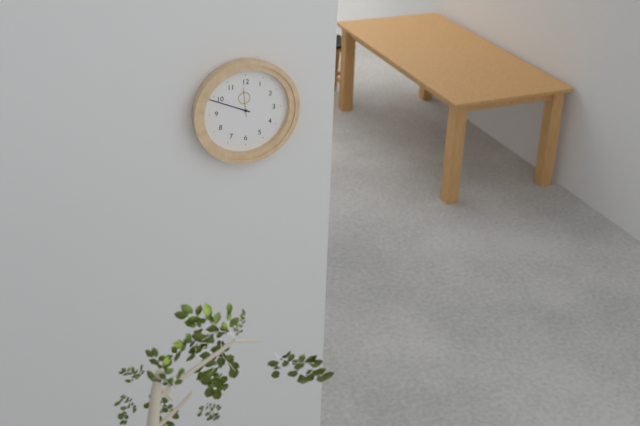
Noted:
11,49
